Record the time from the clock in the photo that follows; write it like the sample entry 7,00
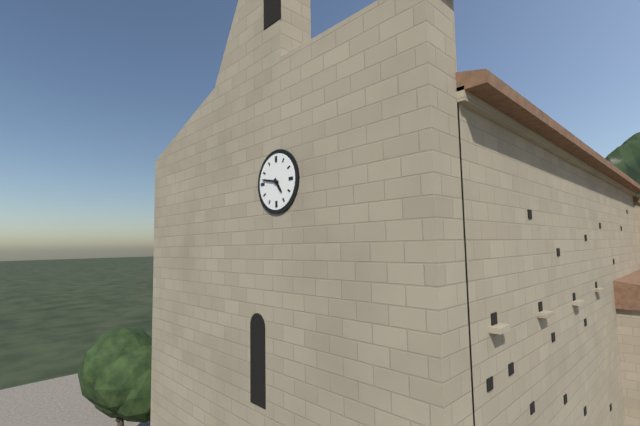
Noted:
4,47
